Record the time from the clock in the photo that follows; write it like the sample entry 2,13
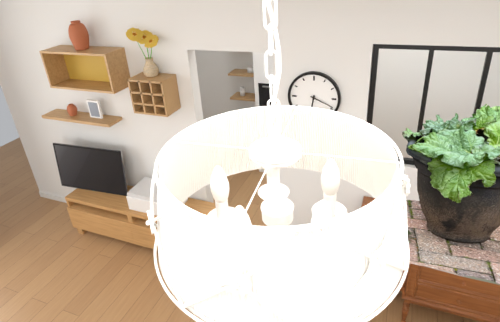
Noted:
6,19
